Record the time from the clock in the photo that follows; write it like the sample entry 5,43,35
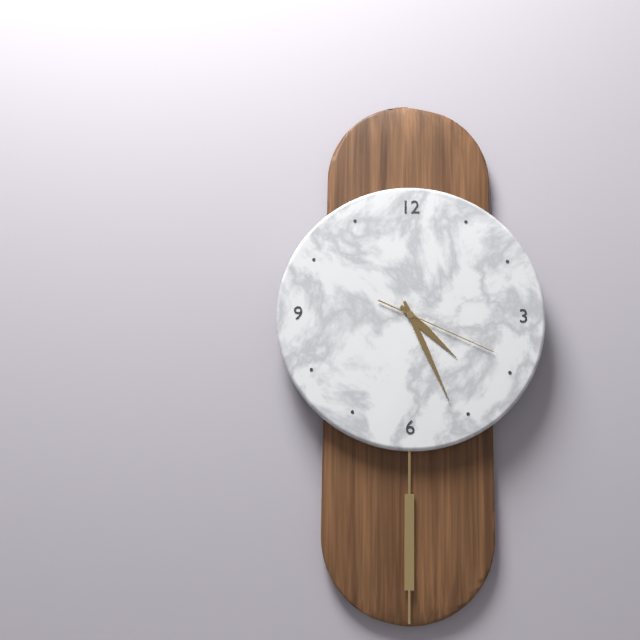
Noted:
4,26,19
